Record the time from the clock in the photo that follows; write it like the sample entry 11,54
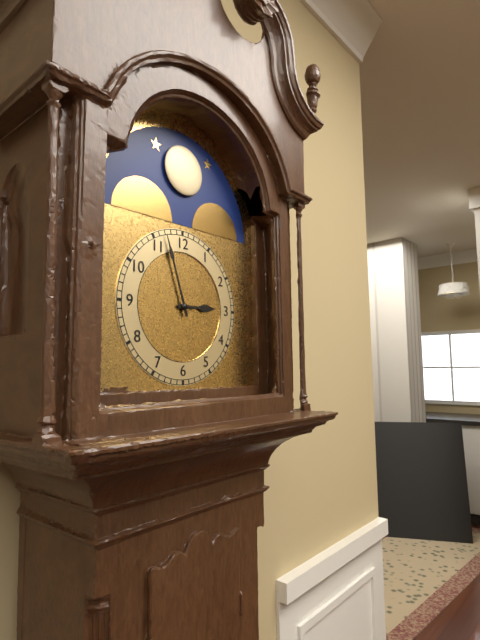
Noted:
2,57
